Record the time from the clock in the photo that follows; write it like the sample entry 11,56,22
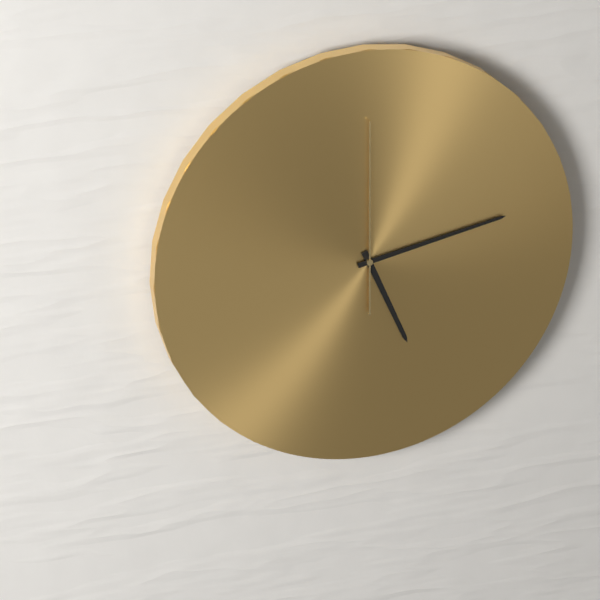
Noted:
5,13,00
